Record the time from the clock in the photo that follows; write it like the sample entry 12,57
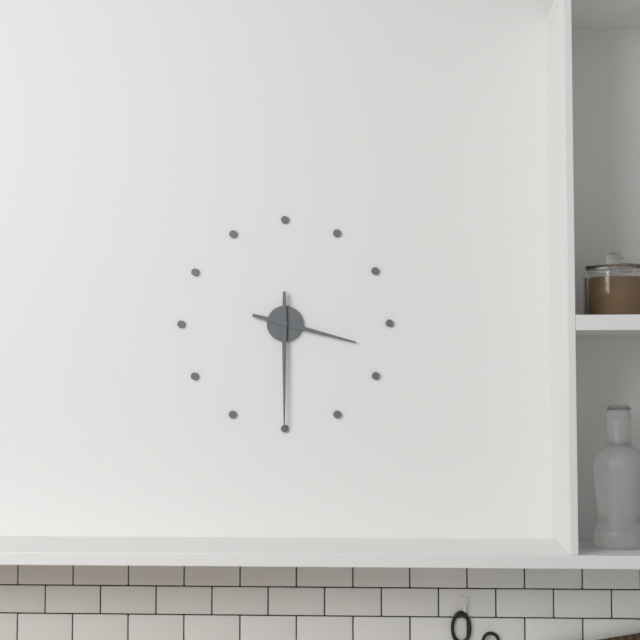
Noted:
3,30
